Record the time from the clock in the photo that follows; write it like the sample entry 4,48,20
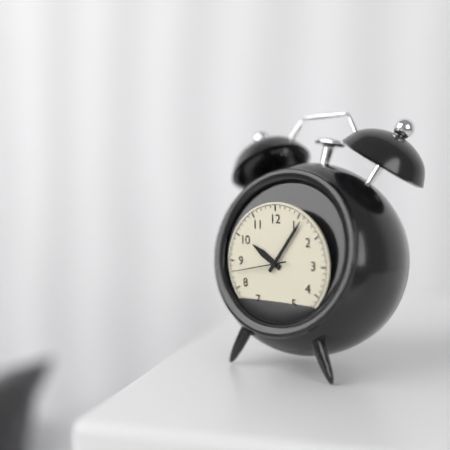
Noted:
10,06,43
